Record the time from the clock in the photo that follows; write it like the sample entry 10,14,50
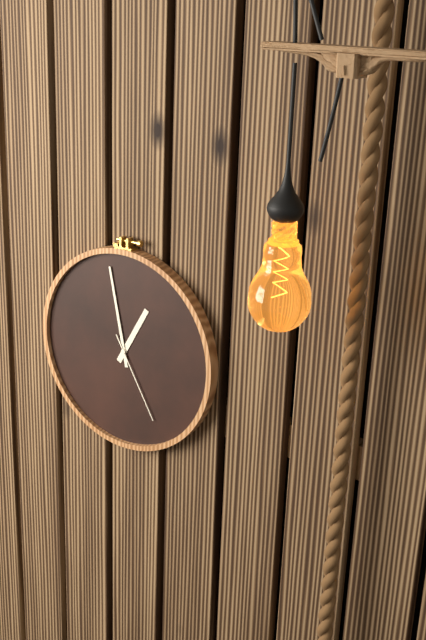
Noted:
12,58,25
